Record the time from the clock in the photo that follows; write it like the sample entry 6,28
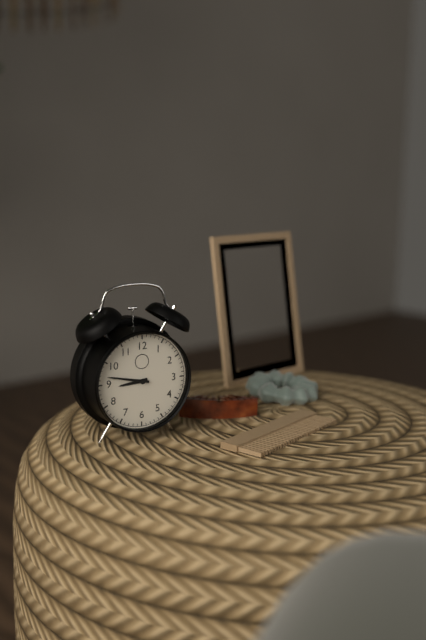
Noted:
8,47
